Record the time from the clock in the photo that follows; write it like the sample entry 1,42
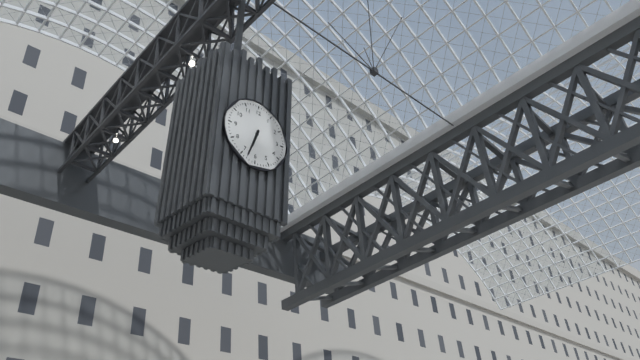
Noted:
6,33
